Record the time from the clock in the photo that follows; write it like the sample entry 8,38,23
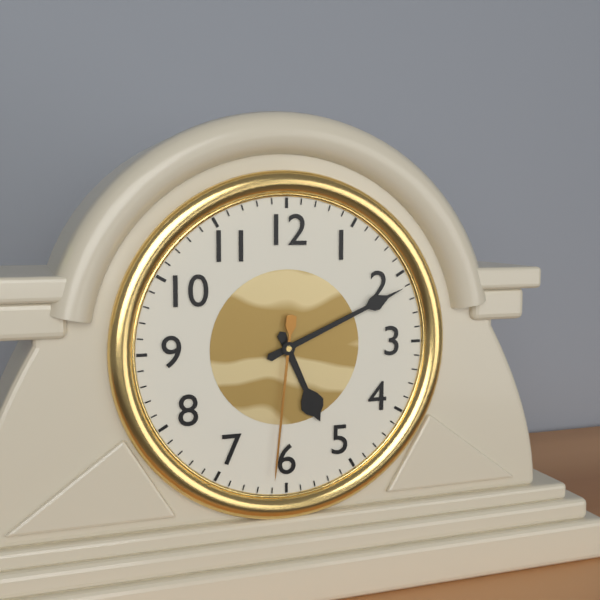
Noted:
5,11,31
